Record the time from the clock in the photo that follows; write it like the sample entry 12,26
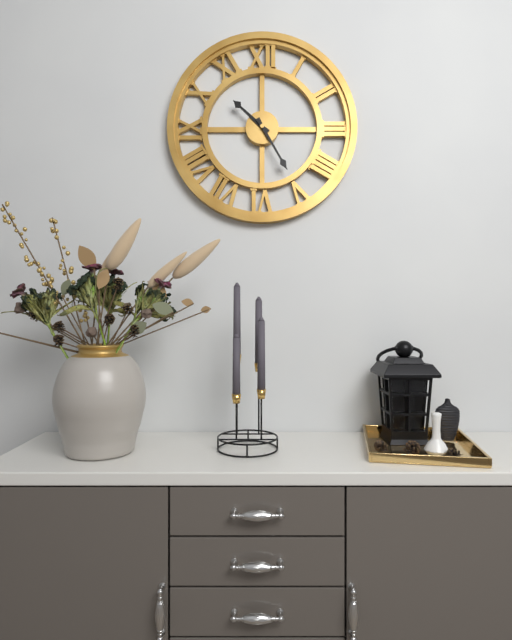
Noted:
10,25
